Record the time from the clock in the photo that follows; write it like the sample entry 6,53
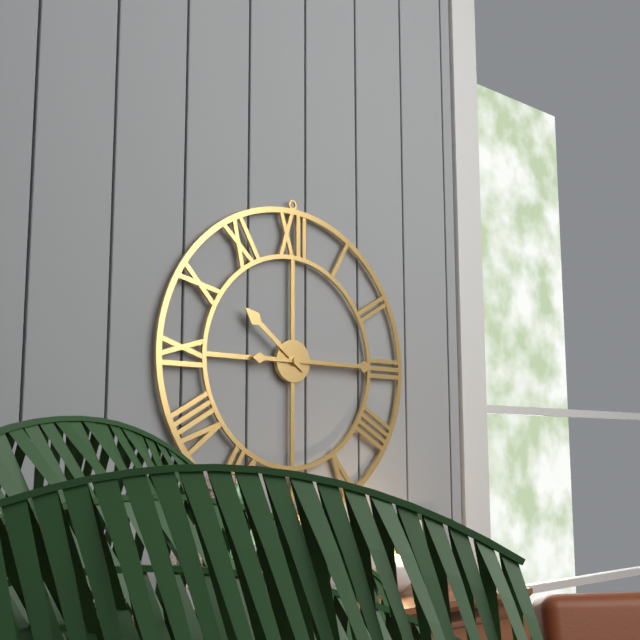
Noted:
10,15
